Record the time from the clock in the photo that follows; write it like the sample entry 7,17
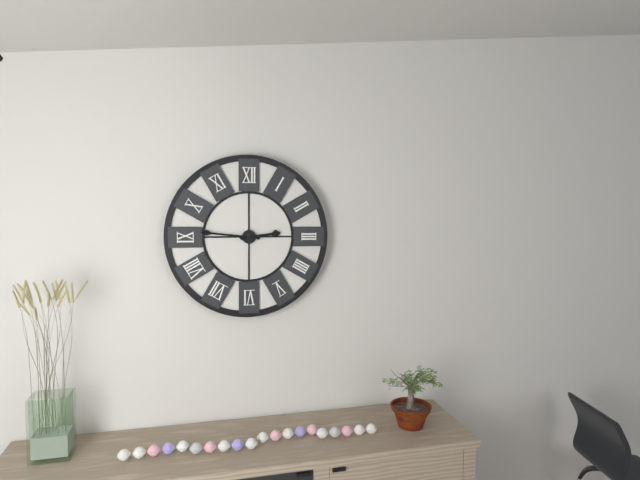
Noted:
2,46
